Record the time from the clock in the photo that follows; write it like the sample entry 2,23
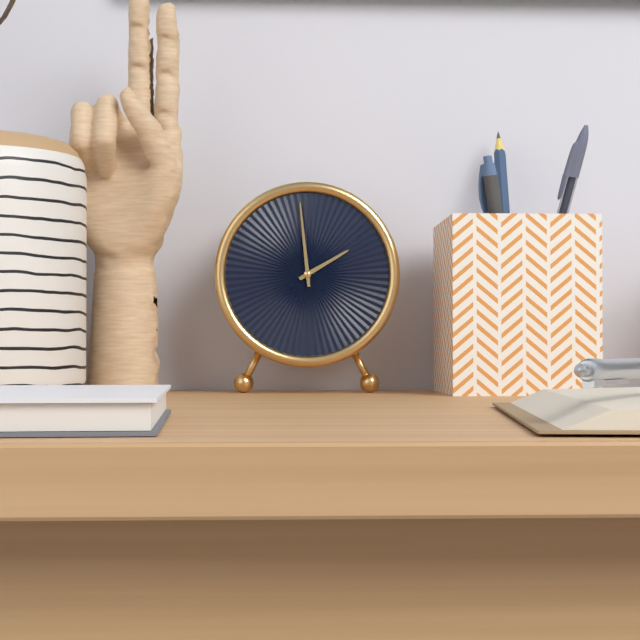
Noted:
1,59
